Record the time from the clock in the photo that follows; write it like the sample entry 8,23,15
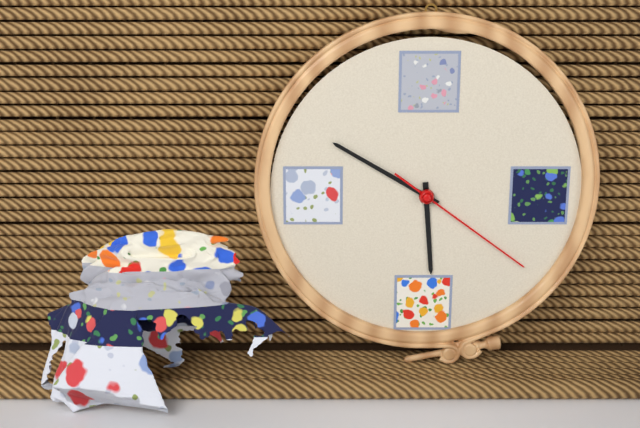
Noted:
5,50,21
